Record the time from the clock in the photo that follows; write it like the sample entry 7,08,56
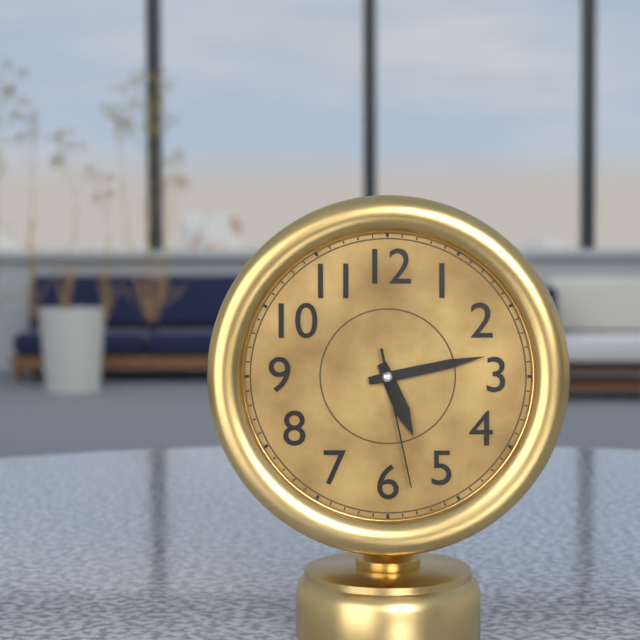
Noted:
5,13,28
